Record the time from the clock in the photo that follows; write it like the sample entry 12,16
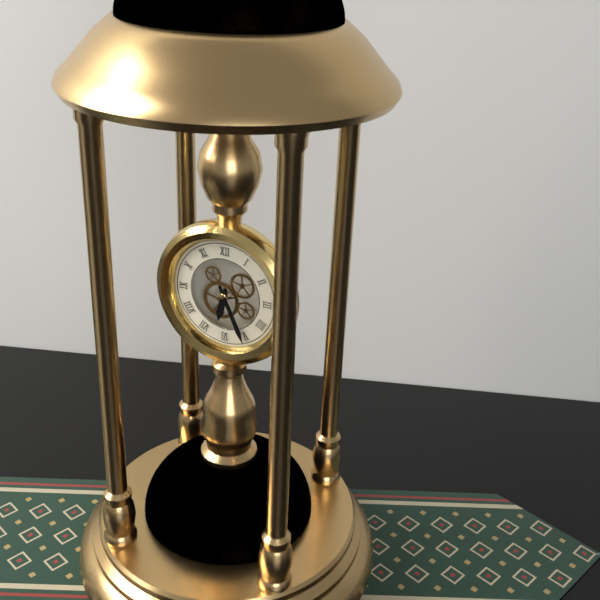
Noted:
6,26
